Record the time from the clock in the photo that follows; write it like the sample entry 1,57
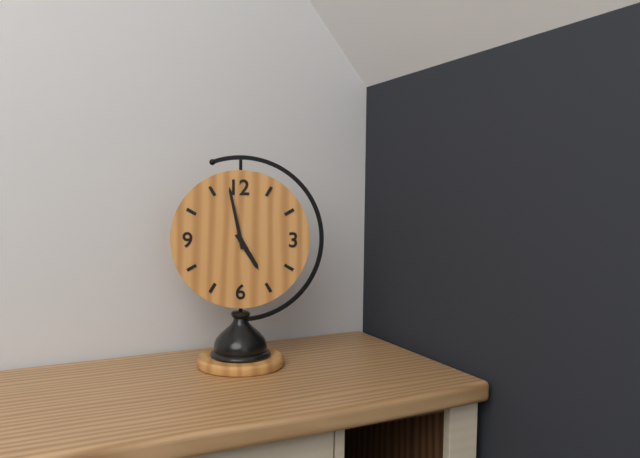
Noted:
4,58
